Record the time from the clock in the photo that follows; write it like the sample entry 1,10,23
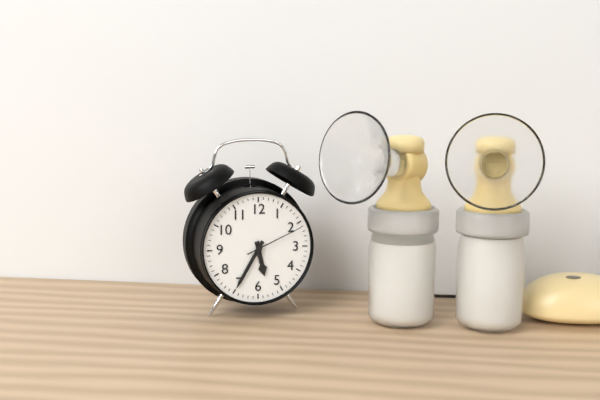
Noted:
5,35,11
